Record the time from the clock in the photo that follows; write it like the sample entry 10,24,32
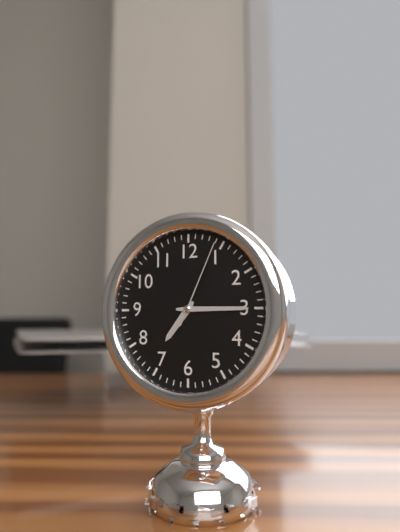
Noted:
7,15,04
